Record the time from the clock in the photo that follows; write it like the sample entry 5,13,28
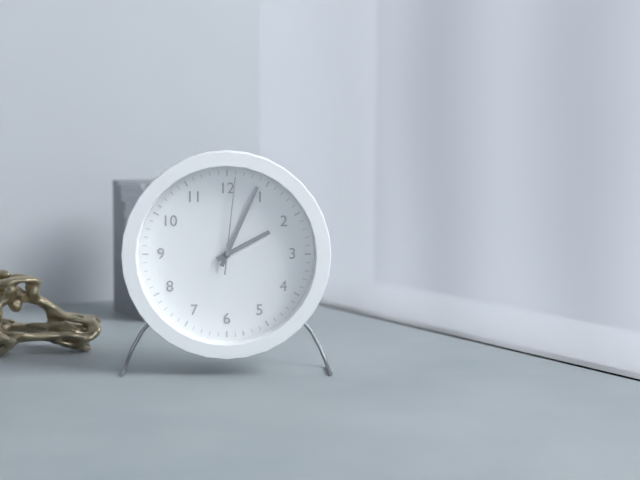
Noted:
2,04,01
